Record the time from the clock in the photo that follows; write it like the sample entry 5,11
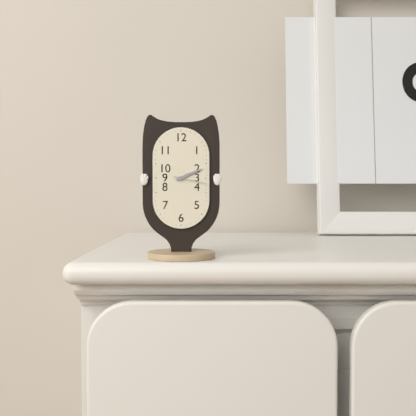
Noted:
2,11
